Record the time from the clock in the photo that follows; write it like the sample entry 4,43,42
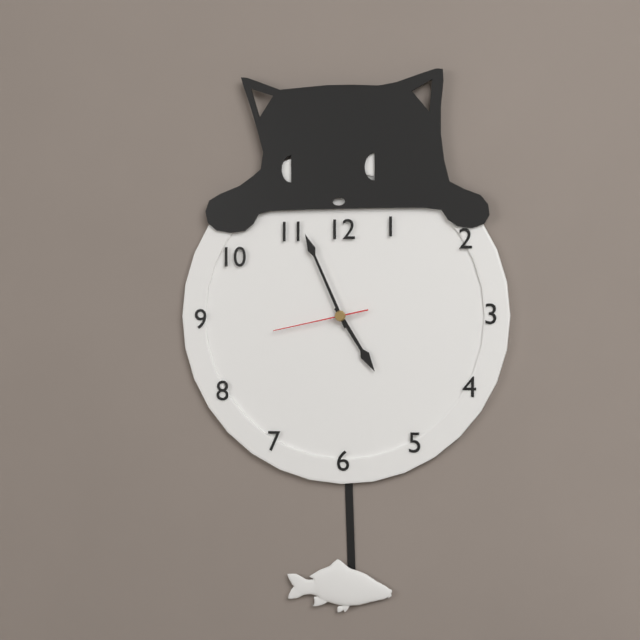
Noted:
4,56,43
